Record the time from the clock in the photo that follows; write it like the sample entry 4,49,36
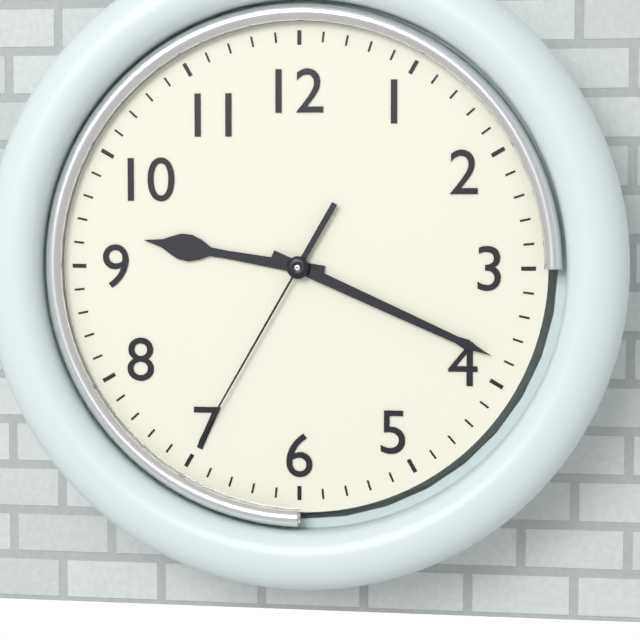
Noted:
9,19,35
